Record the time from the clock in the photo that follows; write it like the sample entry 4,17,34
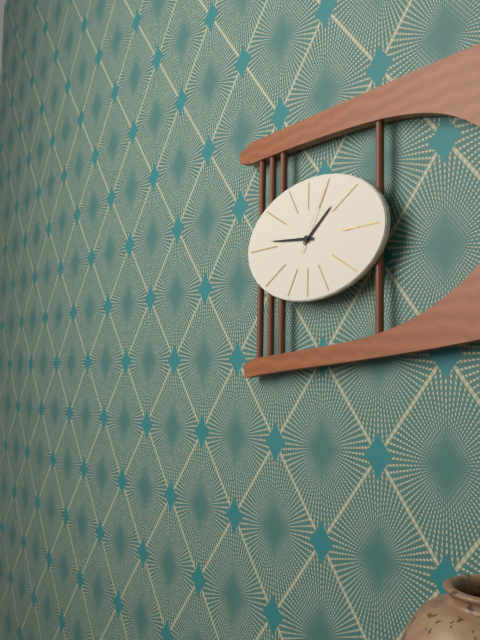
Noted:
1,46,05
